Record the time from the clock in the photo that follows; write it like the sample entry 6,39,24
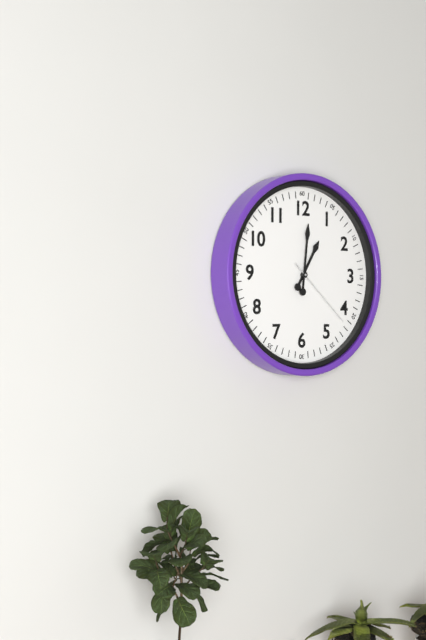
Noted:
1,01,22
